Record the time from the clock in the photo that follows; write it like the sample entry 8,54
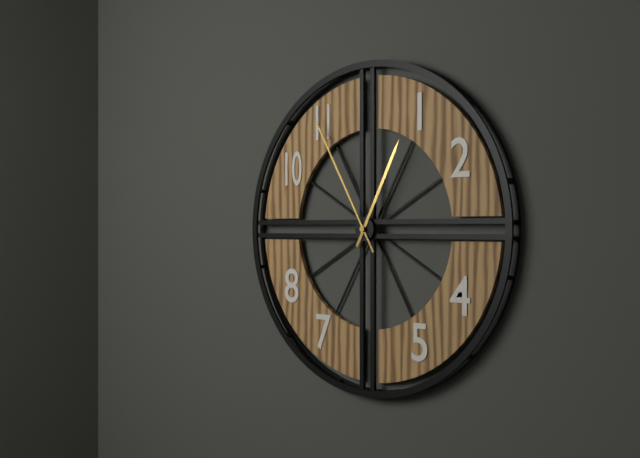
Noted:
12,55
